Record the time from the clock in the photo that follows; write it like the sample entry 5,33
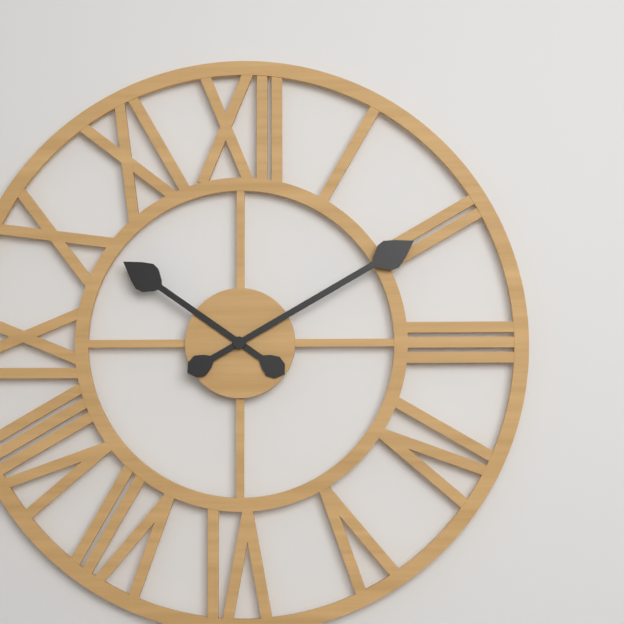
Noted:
10,10
